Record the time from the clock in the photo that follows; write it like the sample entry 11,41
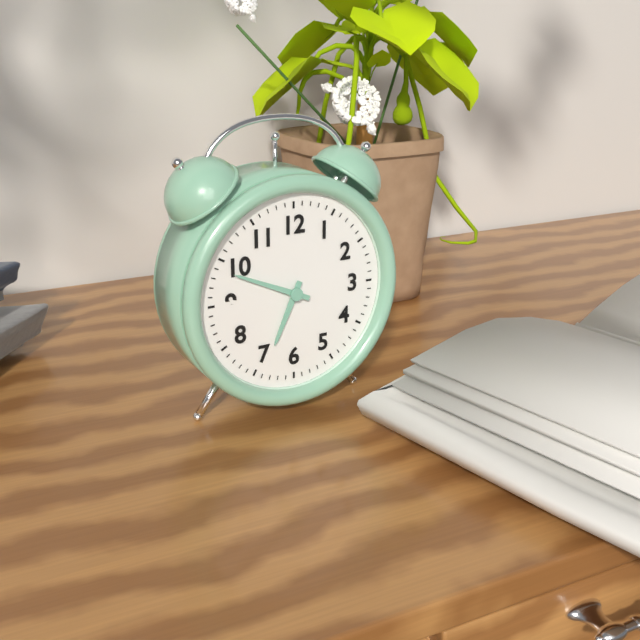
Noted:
6,49
